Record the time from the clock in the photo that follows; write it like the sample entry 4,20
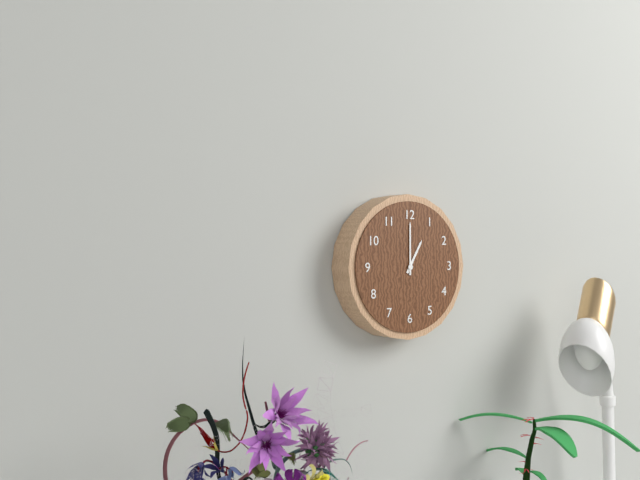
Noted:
1,00
